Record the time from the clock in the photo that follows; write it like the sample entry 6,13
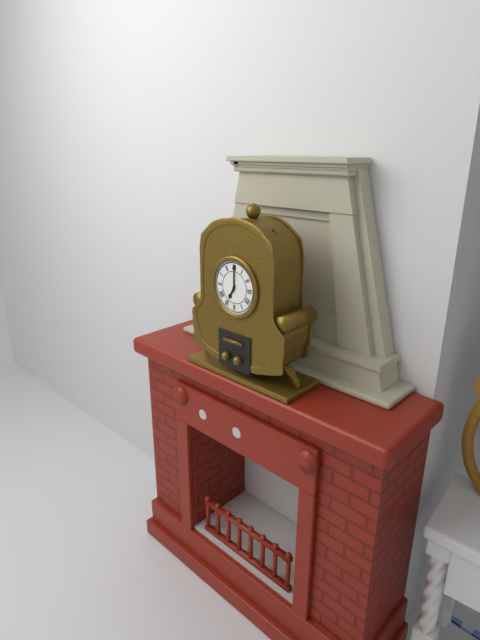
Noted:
7,00
